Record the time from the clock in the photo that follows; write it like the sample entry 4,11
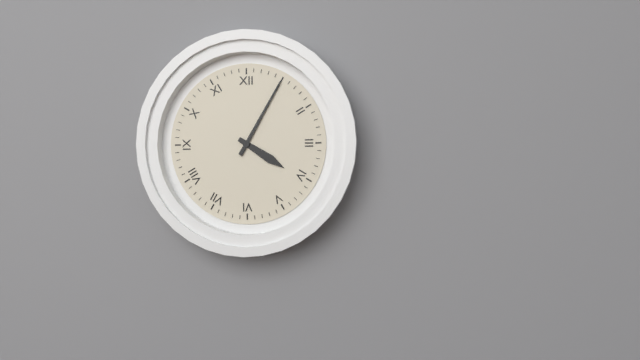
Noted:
4,05
